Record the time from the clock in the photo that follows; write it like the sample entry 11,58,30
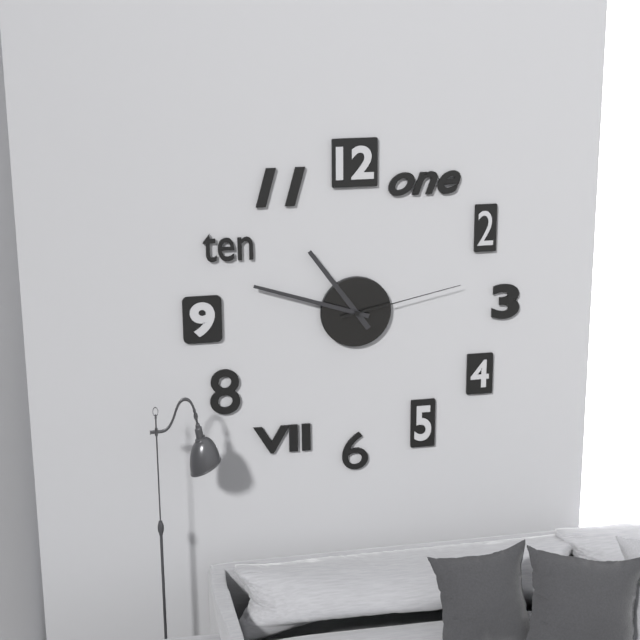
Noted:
10,48,13
